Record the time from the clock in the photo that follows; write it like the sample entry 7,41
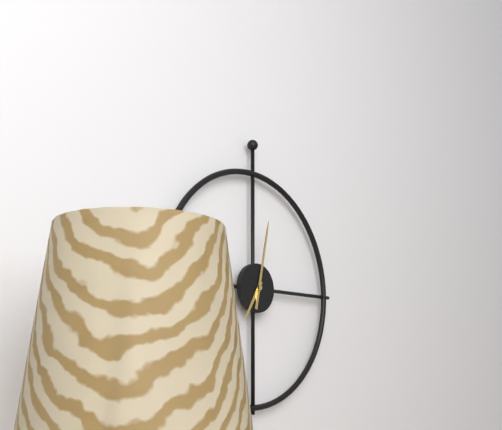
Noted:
7,02
